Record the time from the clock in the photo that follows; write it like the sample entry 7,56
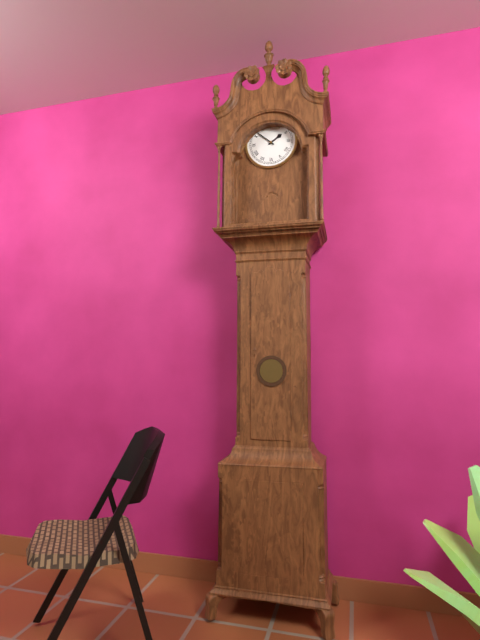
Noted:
1,52
